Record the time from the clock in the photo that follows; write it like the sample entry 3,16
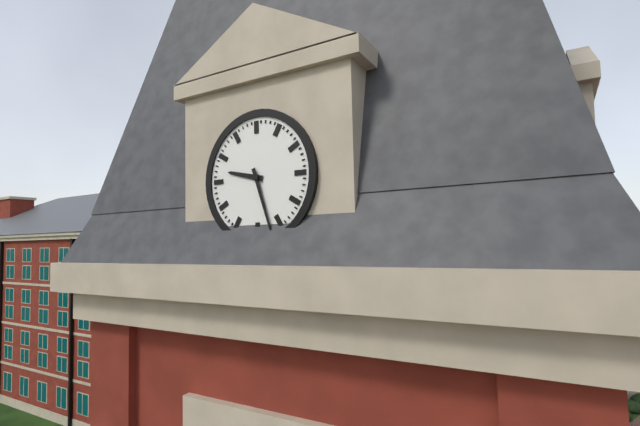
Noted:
9,27
